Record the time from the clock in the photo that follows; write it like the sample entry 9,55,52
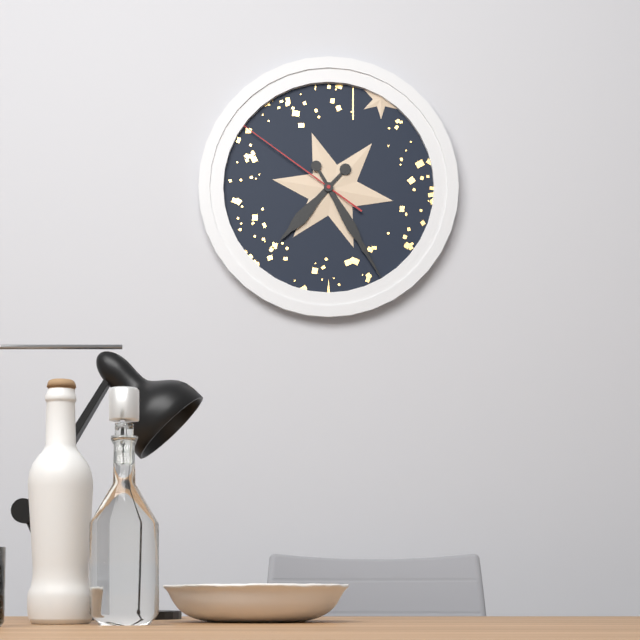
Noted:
7,25,51
